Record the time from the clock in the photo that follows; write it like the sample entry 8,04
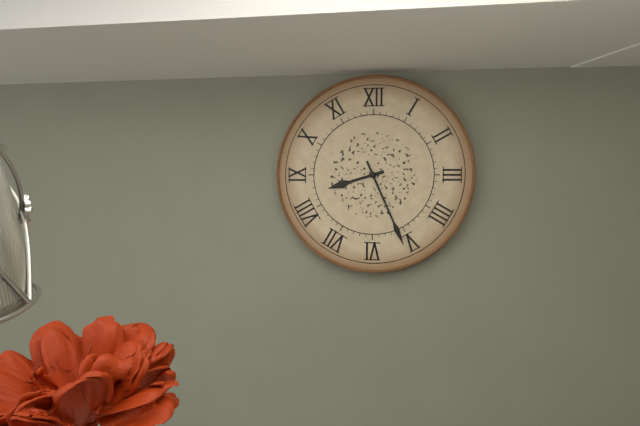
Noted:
8,26
